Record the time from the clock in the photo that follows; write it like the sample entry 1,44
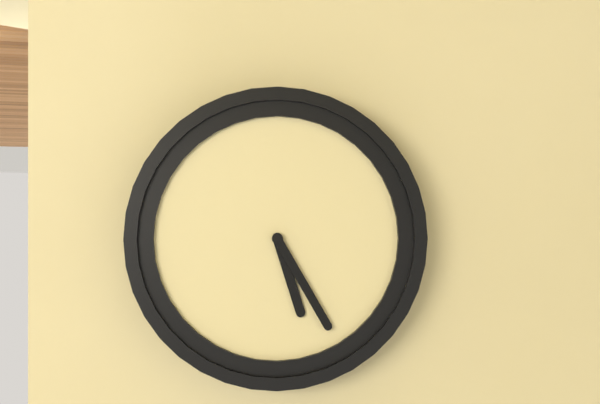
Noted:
5,25
